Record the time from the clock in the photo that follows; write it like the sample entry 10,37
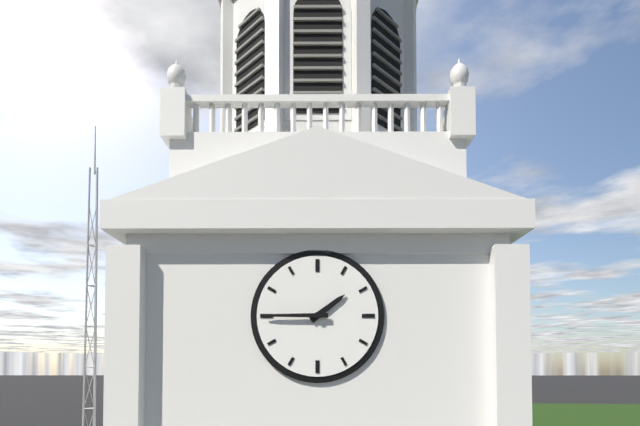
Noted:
1,45
